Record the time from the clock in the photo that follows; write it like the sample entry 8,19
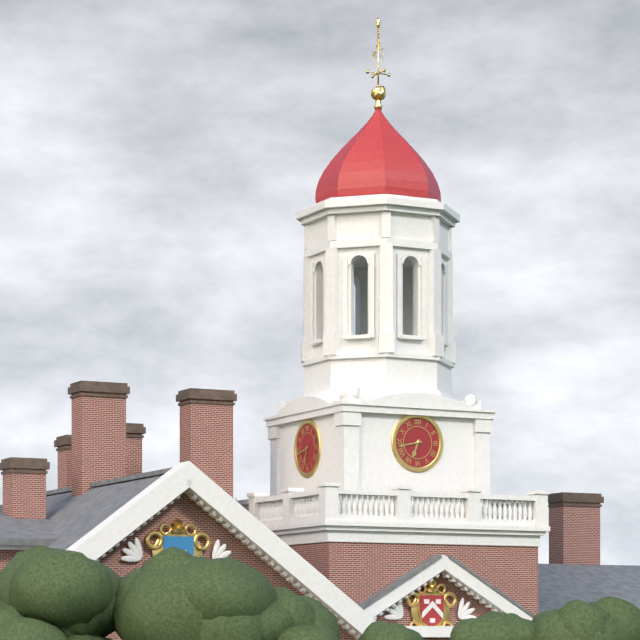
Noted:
6,43
